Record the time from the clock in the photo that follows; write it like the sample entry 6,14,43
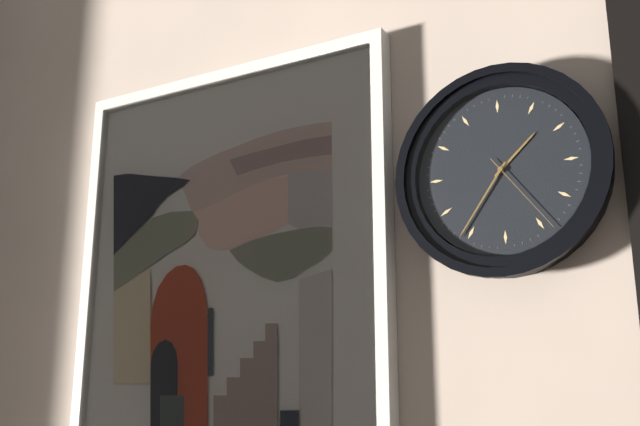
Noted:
1,36,24
